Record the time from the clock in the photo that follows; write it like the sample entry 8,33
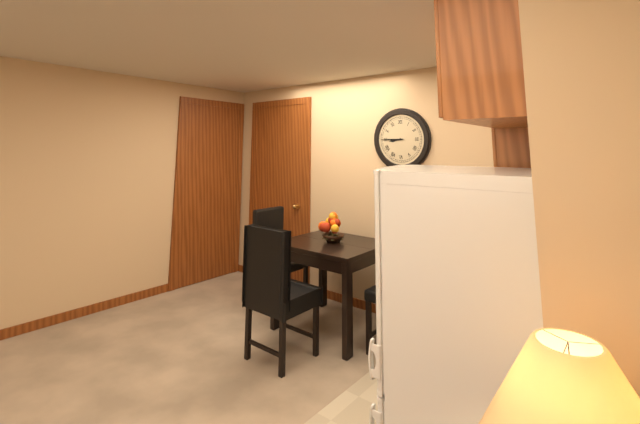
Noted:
8,45
